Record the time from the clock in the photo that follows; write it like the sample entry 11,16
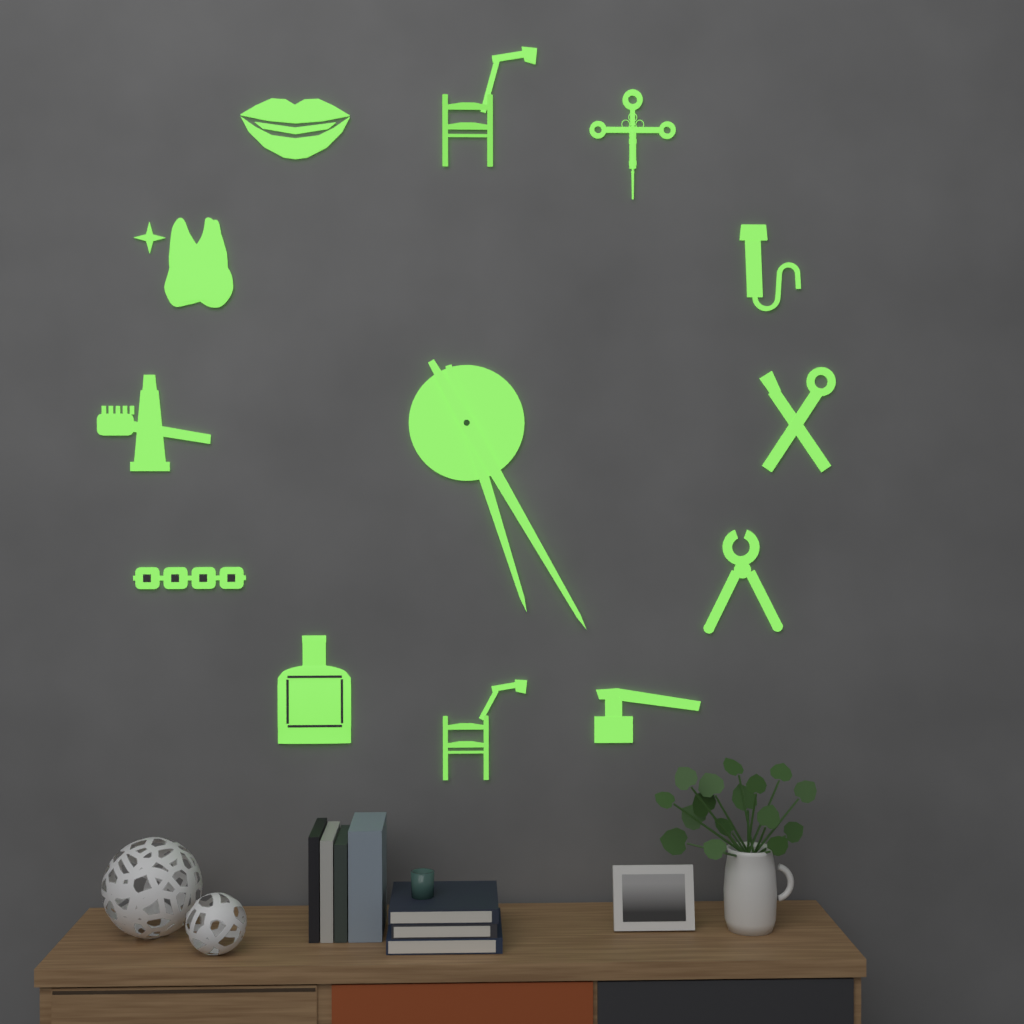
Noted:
5,25
